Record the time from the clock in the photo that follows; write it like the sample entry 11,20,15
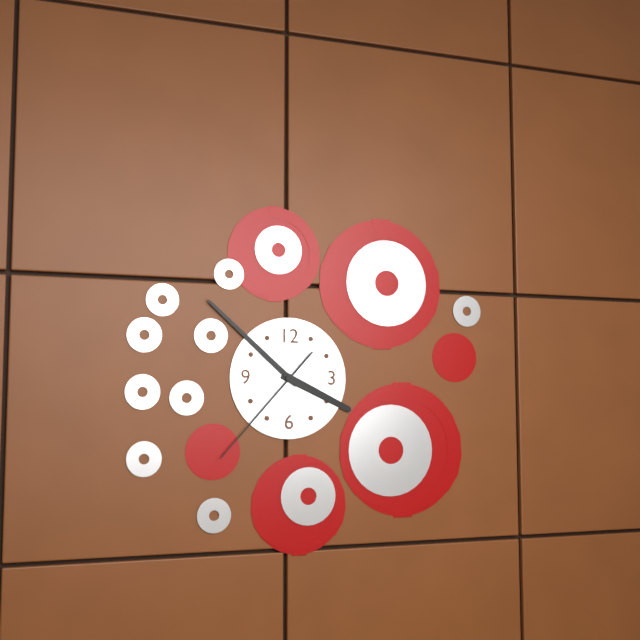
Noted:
3,52,37
